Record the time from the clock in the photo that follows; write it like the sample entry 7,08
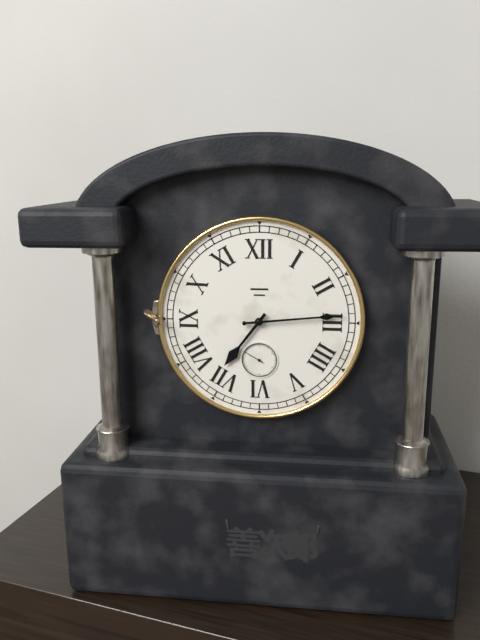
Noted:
7,14
